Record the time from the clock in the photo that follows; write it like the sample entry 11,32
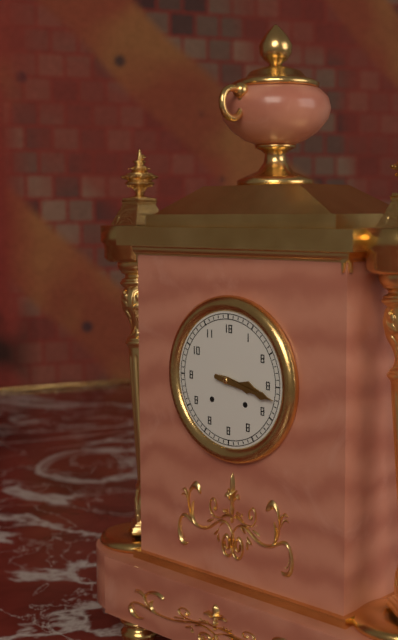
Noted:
3,17
